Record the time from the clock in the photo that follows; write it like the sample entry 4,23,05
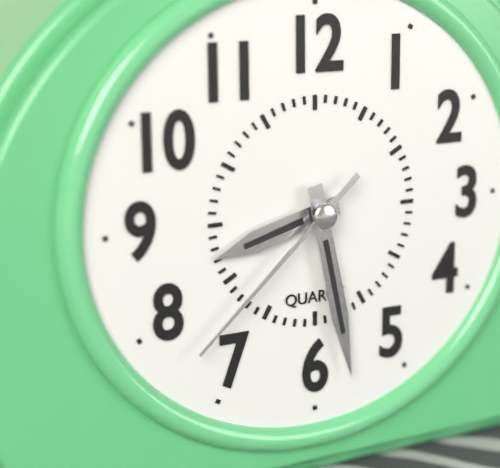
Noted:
8,28,38
